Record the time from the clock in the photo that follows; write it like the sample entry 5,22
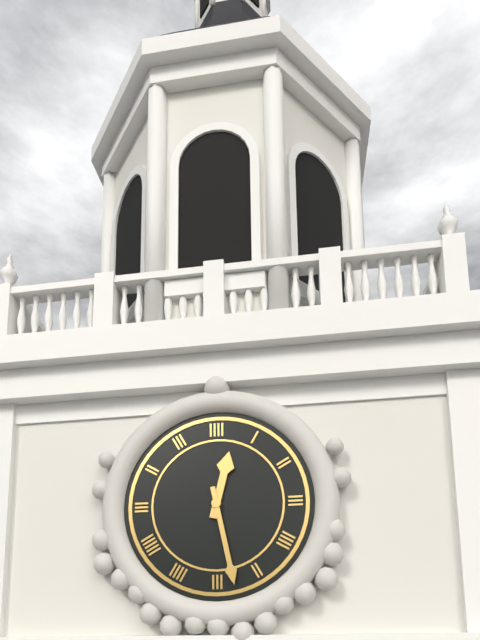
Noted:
12,28
